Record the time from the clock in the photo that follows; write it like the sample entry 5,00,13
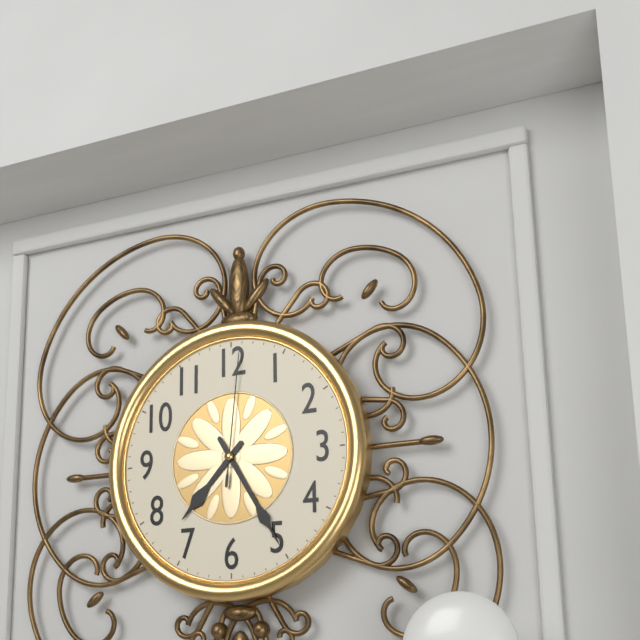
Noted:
7,25,01
